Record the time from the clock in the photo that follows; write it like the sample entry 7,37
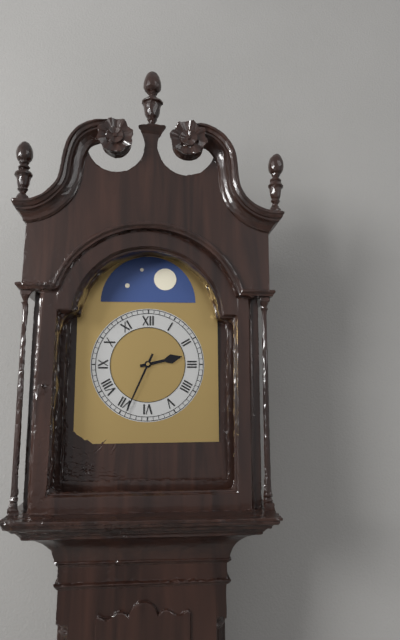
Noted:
2,34
